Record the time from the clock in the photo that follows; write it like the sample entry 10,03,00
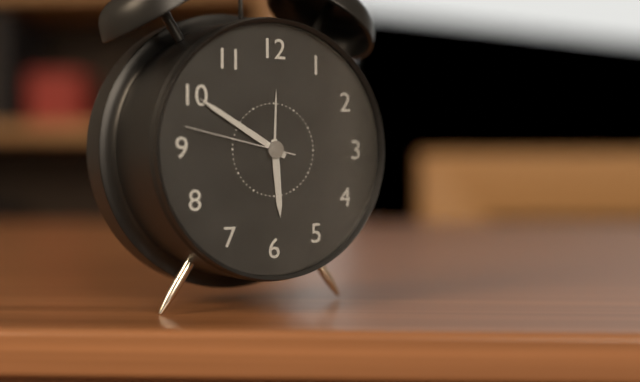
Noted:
5,50,47
